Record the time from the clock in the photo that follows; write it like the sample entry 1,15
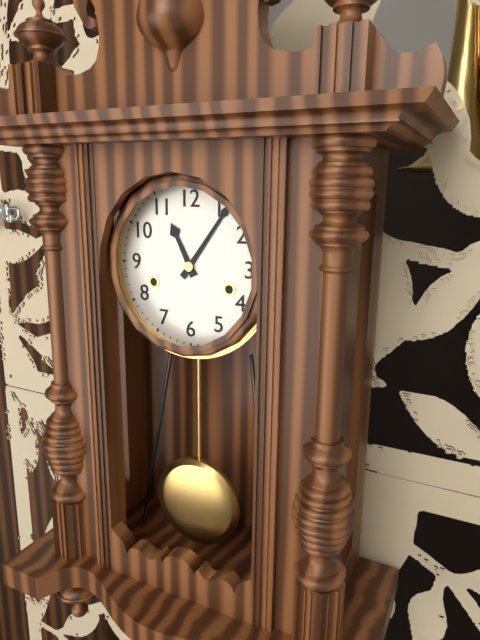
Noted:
11,06
